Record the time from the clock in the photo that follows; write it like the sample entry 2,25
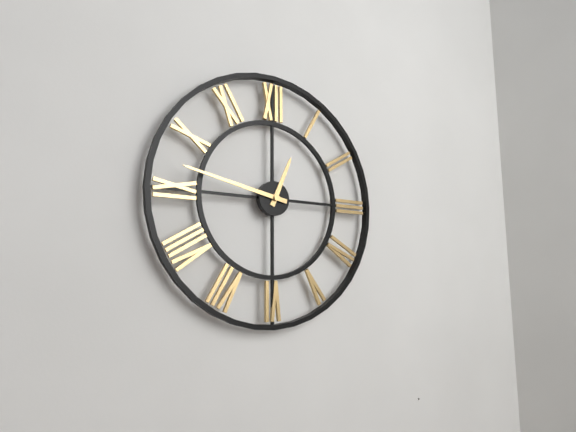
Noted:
12,47
